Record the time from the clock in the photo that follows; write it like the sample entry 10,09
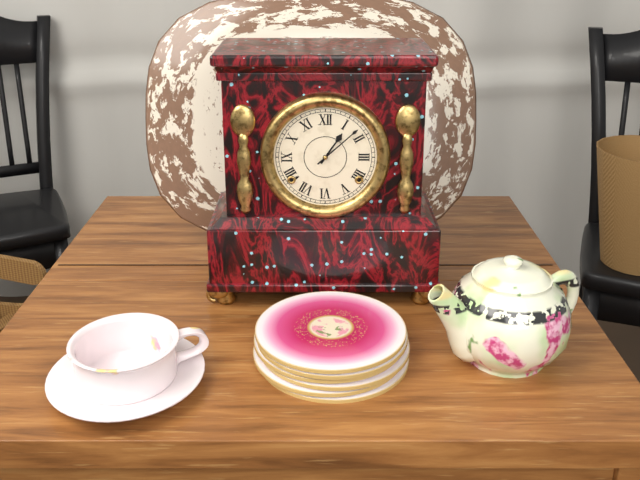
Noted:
1,08
